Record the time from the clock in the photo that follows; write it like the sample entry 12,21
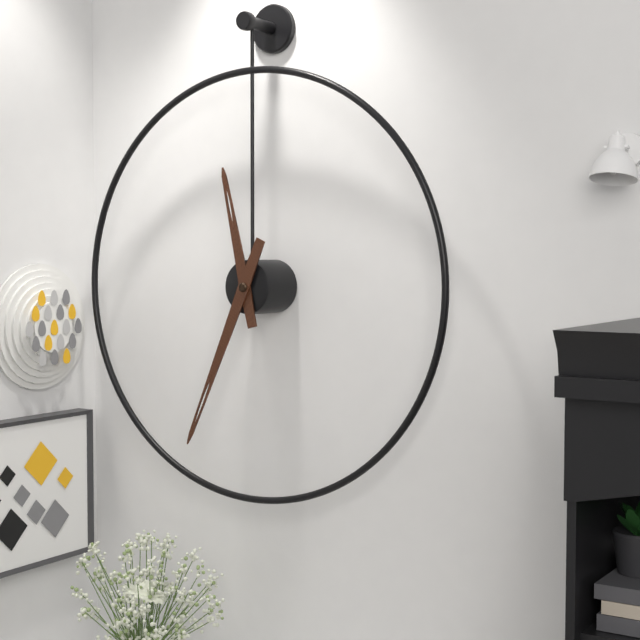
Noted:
11,34
